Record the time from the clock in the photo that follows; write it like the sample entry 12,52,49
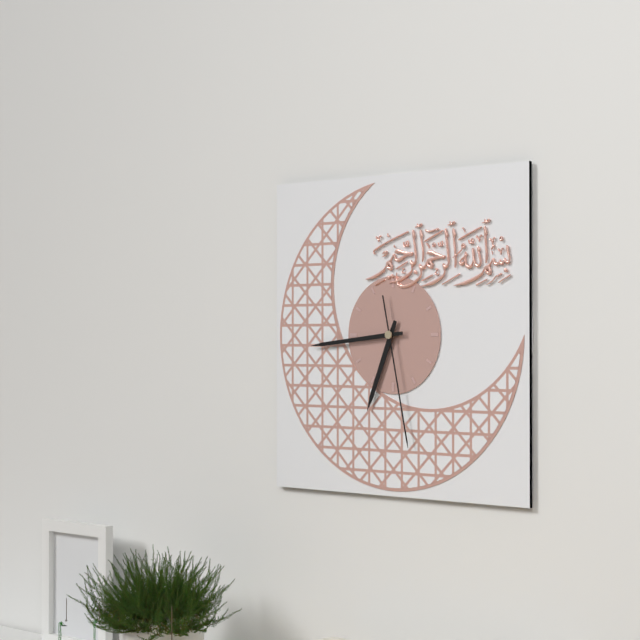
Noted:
6,44,28
